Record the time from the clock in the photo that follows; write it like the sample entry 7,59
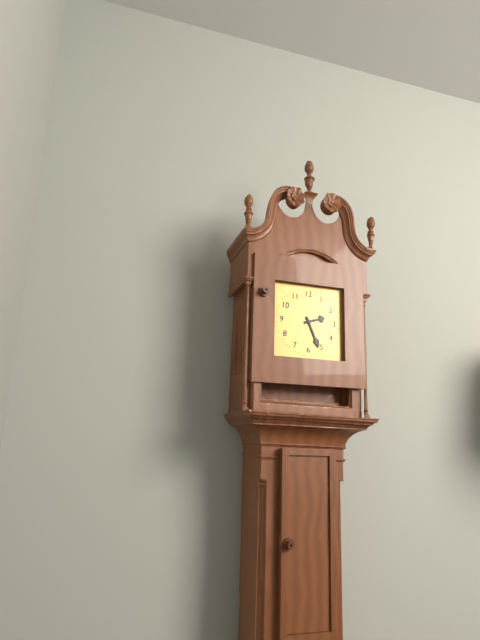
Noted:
2,26
